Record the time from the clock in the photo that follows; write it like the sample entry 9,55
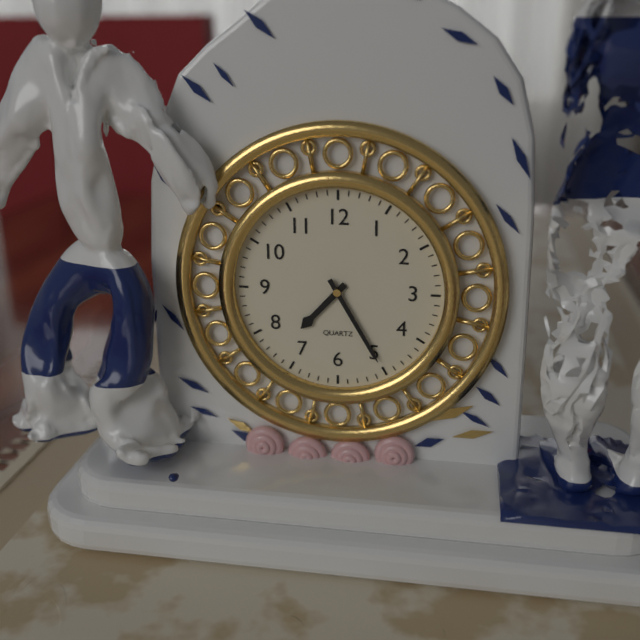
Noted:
7,25
